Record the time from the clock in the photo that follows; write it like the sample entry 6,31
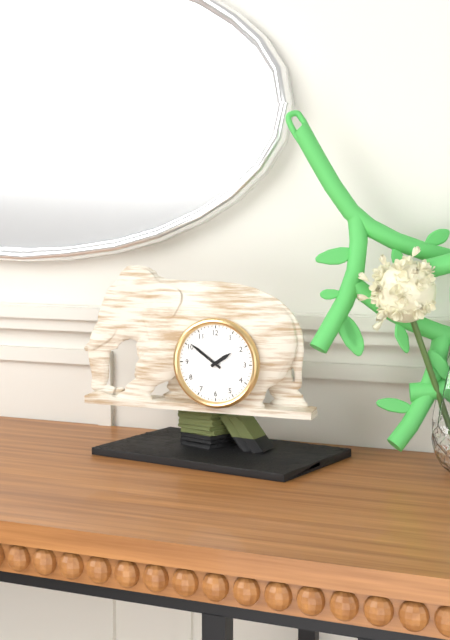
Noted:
1,51
